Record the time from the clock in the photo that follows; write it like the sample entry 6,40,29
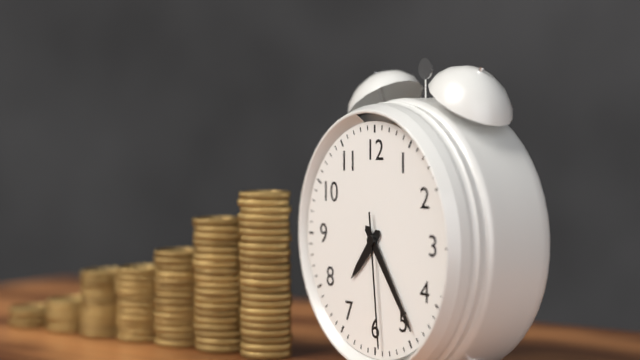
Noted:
7,24,29
